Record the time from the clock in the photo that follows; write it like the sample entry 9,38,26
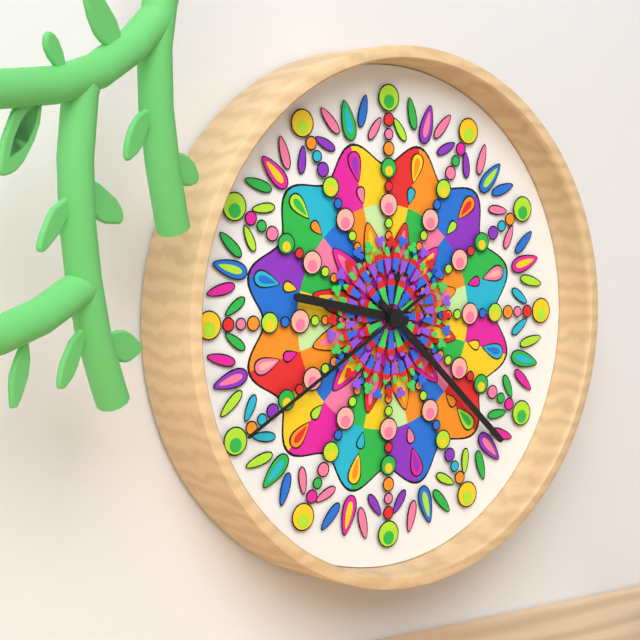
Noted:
9,22,40
